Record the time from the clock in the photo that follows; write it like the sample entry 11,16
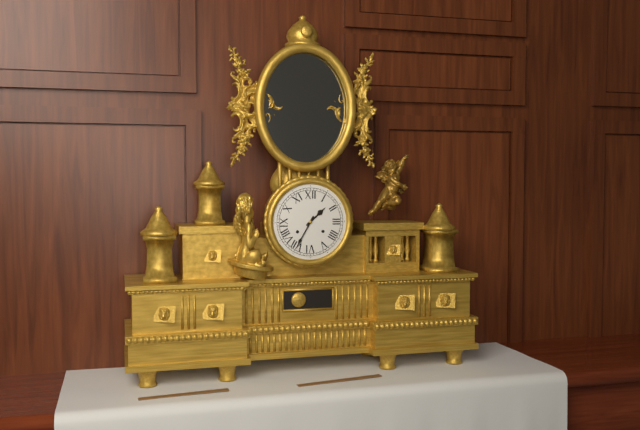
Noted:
1,35
